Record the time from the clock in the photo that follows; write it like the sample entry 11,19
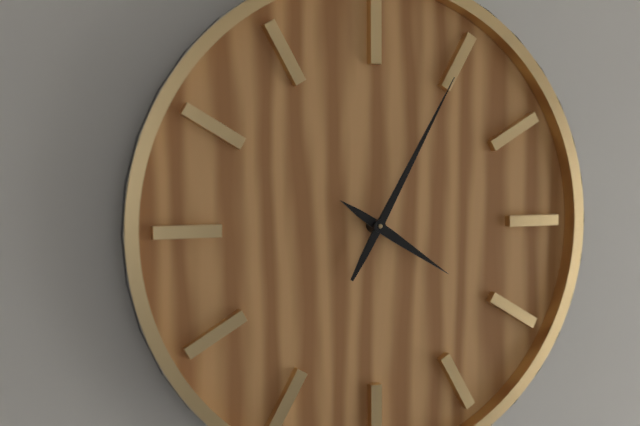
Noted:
4,05
